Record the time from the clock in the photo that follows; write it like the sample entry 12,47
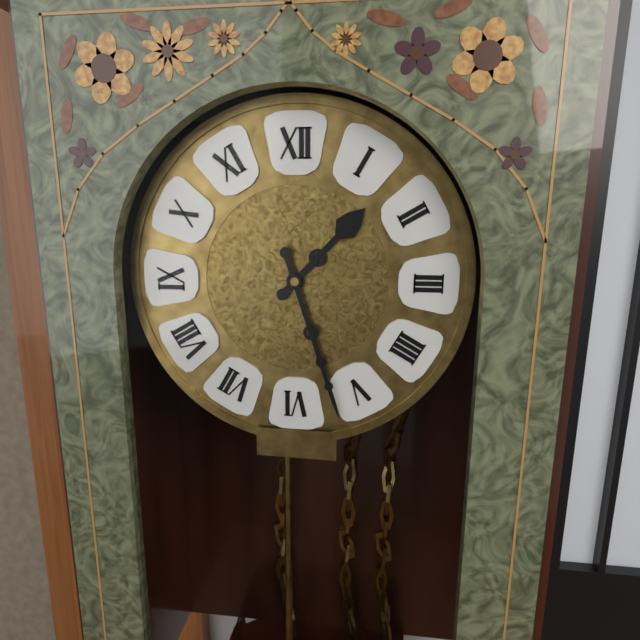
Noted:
1,27
